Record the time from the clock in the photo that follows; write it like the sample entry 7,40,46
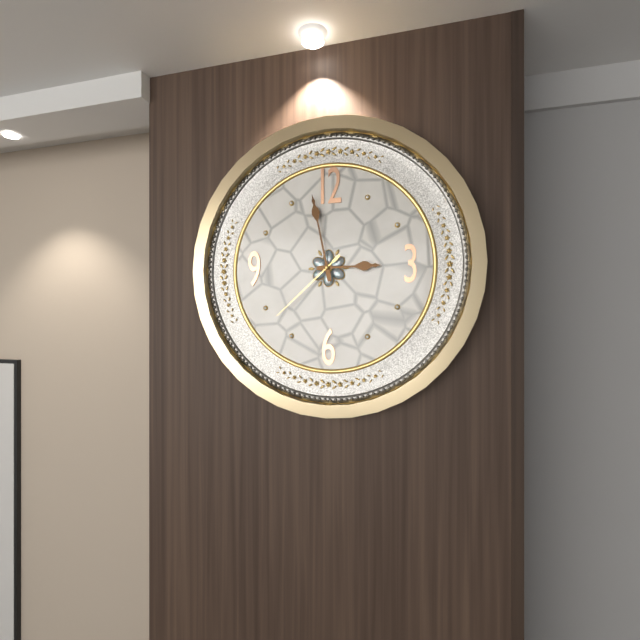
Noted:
2,58,38
